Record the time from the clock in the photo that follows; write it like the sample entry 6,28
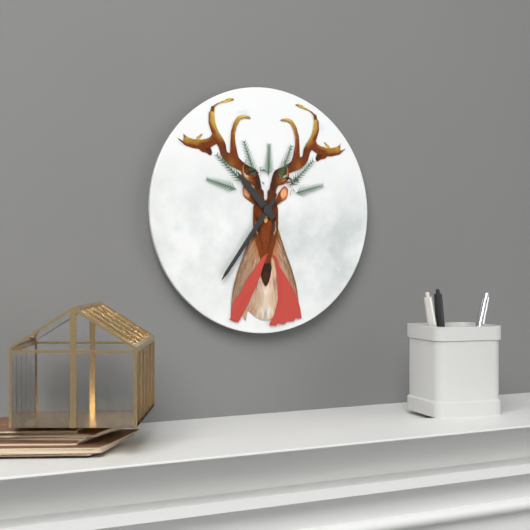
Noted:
10,36
